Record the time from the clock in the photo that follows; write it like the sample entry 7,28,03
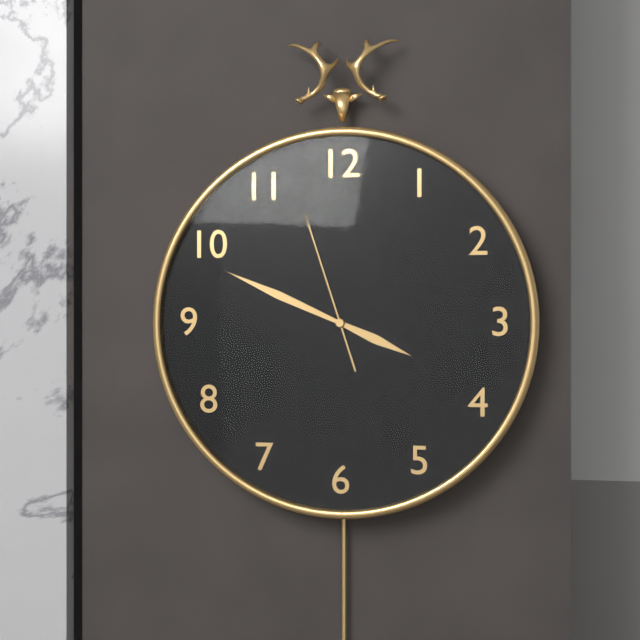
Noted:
3,49,57
